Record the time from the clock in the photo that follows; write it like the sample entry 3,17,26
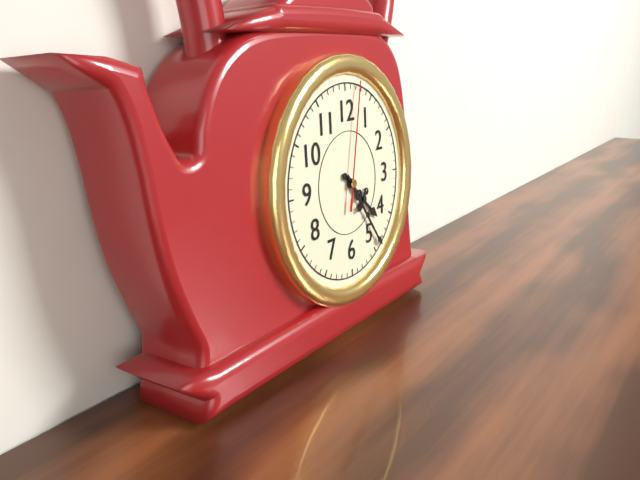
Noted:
4,24,02
